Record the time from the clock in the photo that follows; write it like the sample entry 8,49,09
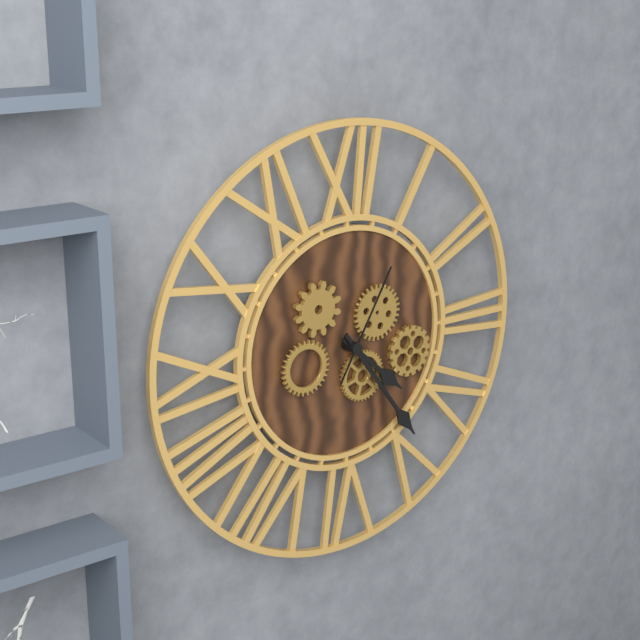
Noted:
4,24,05
